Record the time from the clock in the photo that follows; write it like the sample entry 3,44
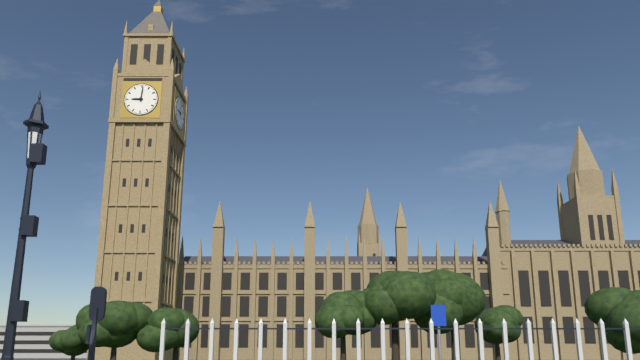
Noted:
9,01
